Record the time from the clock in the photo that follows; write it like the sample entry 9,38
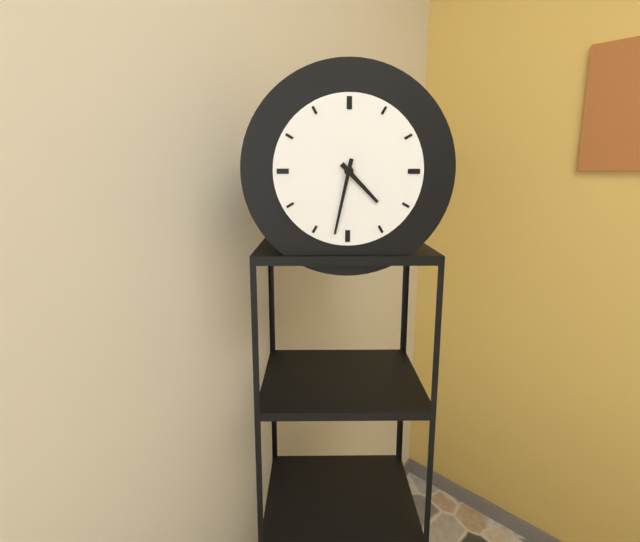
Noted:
4,32
